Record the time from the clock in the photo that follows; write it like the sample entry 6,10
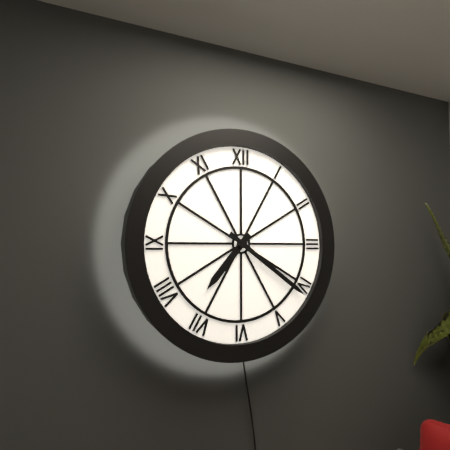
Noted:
7,21
